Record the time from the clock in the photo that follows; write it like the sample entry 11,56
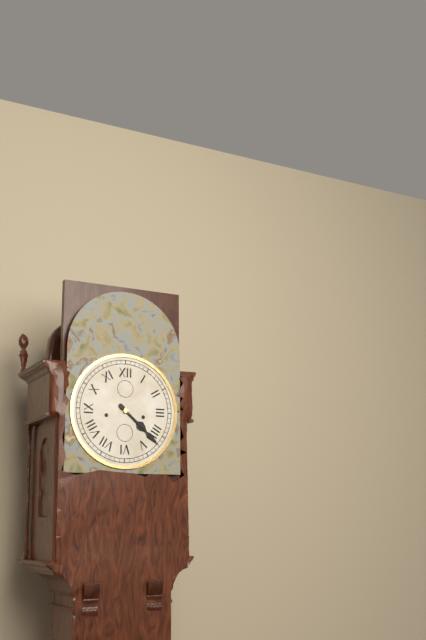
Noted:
4,22
